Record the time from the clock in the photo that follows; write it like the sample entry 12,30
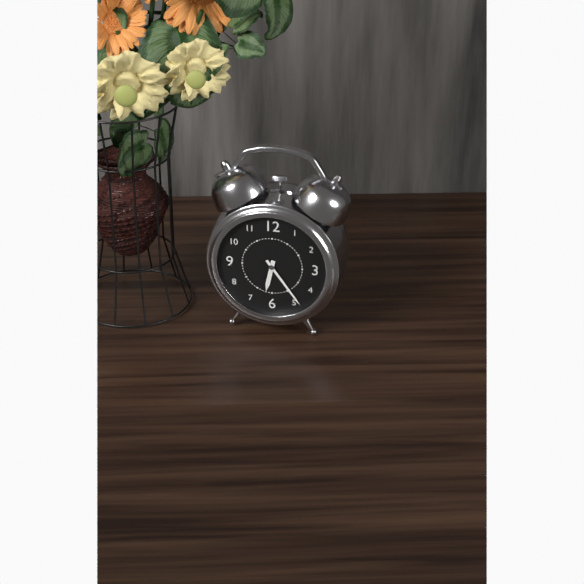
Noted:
6,24
